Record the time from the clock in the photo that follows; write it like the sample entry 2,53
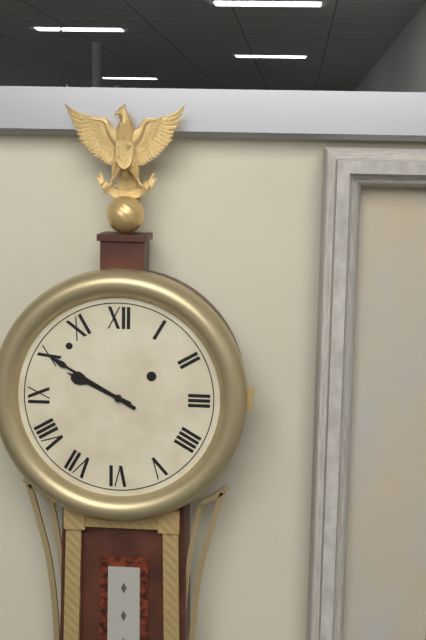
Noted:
9,50
